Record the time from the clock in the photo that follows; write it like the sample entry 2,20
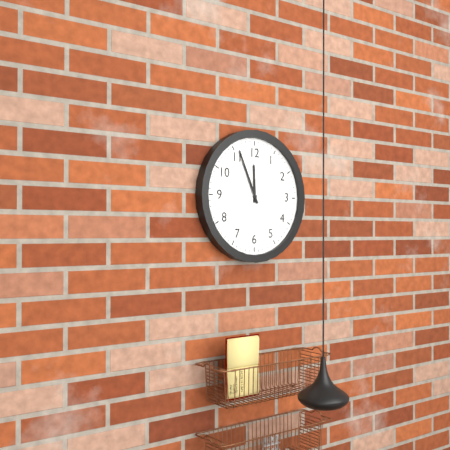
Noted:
11,56
